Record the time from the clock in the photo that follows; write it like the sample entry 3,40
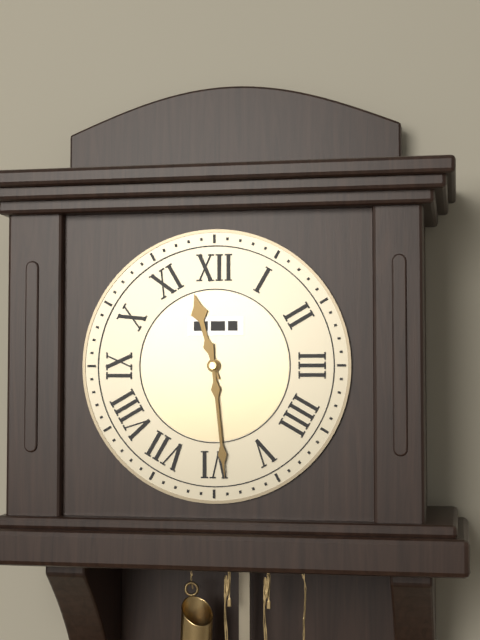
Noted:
11,29
